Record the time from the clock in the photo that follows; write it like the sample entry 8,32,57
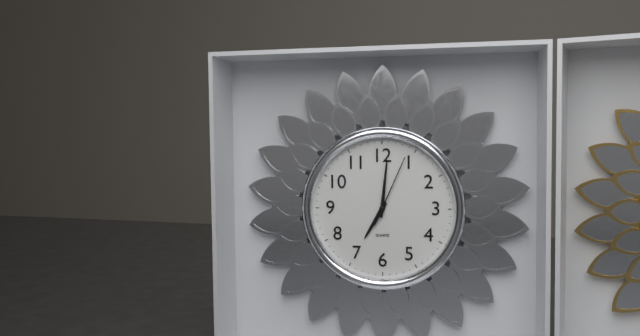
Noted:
7,01,04
